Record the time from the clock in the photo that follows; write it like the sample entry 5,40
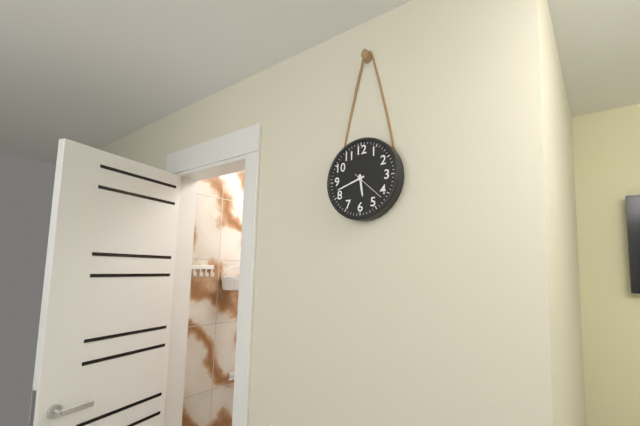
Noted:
5,42
